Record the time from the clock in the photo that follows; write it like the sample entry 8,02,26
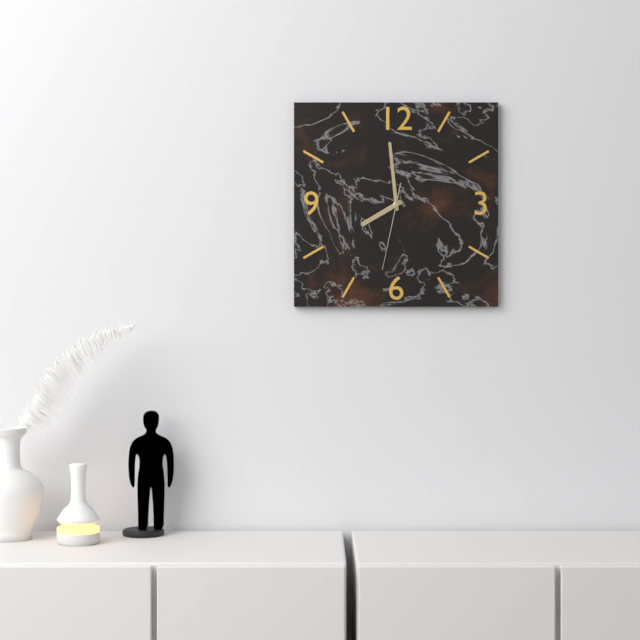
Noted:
7,59,32
